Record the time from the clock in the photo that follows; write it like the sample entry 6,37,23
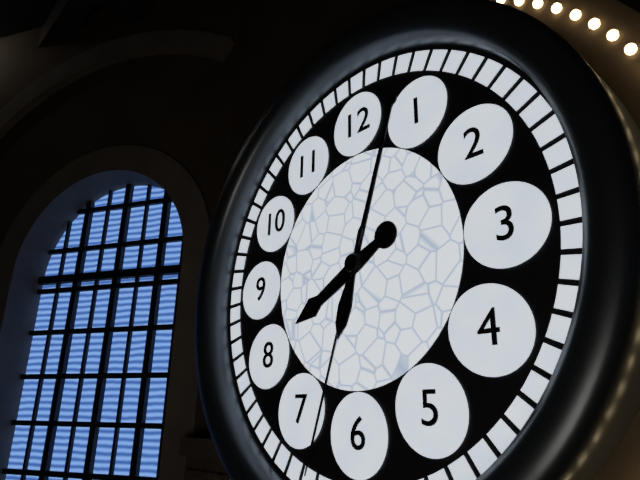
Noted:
8,03,33
